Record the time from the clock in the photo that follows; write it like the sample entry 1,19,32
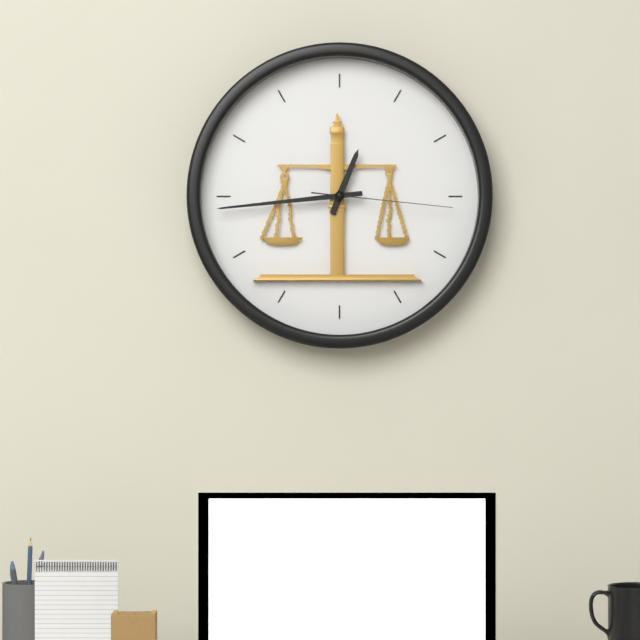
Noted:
12,44,16
